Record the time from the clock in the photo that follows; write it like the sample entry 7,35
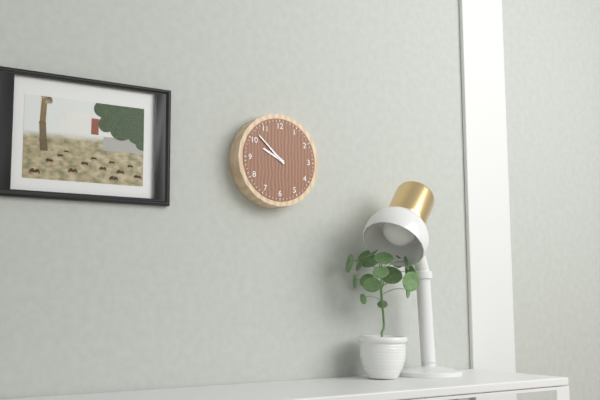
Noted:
9,52
